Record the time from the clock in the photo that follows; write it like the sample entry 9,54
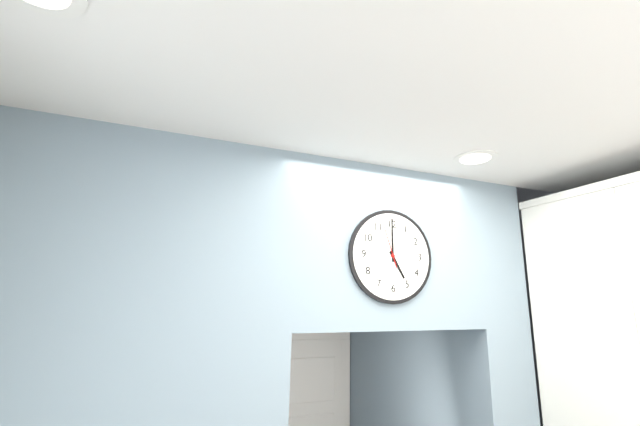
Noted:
5,00
